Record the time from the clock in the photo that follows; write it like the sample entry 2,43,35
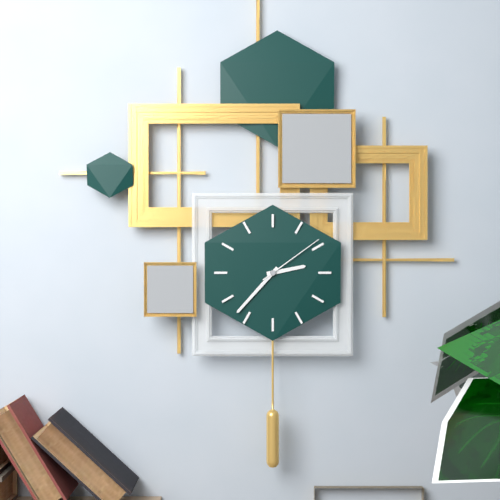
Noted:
2,37,09
